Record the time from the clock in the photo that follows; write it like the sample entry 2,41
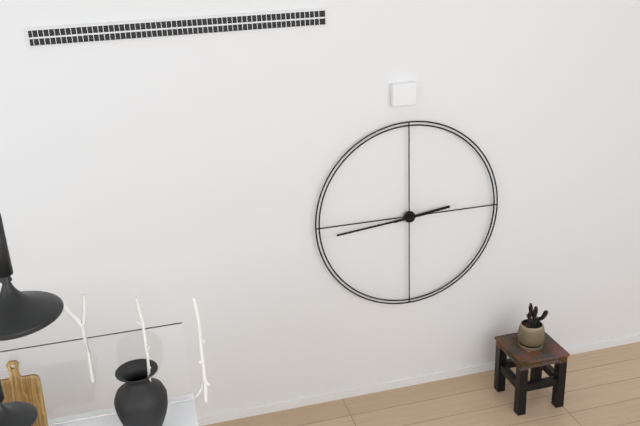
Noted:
2,44
